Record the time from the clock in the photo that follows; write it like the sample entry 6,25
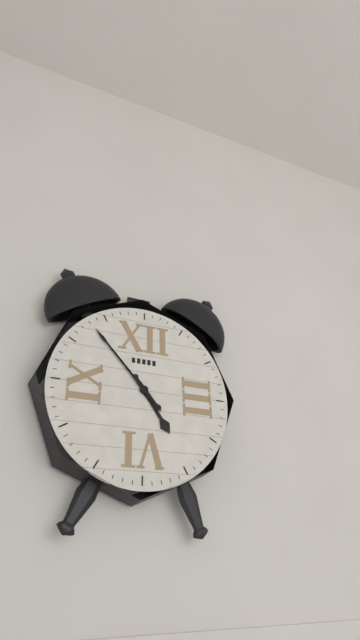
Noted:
4,53
